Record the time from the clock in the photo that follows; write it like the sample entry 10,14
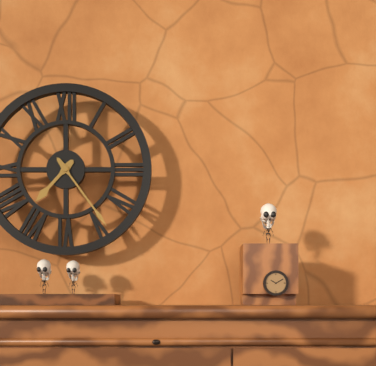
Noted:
7,24
